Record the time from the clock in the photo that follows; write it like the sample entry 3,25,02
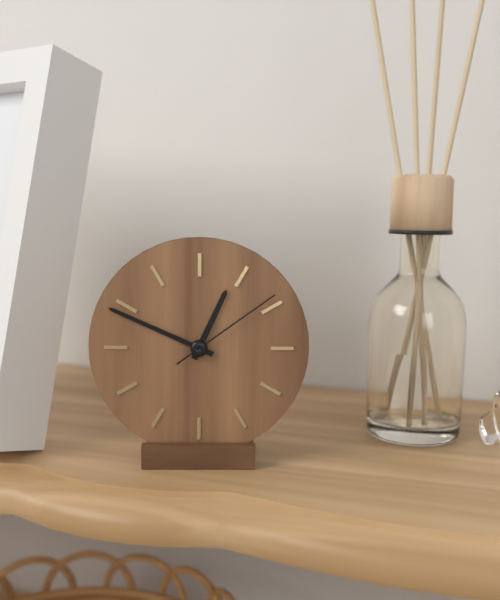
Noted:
12,49,09
